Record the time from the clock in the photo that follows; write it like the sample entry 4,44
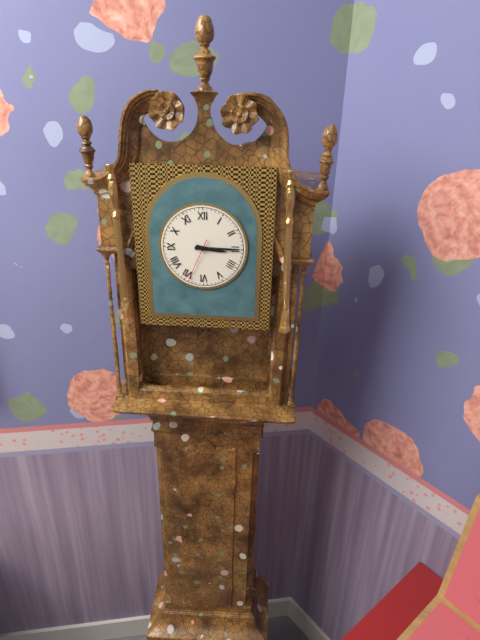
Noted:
3,15
